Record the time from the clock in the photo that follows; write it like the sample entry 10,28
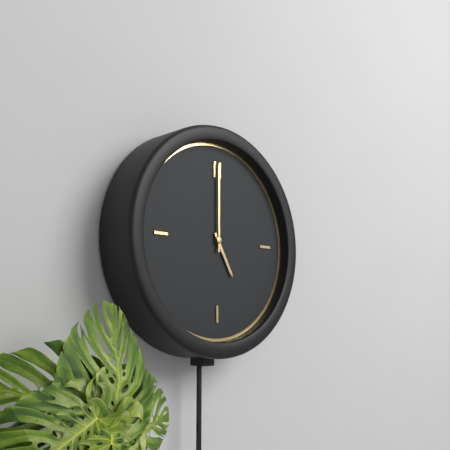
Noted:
5,00
